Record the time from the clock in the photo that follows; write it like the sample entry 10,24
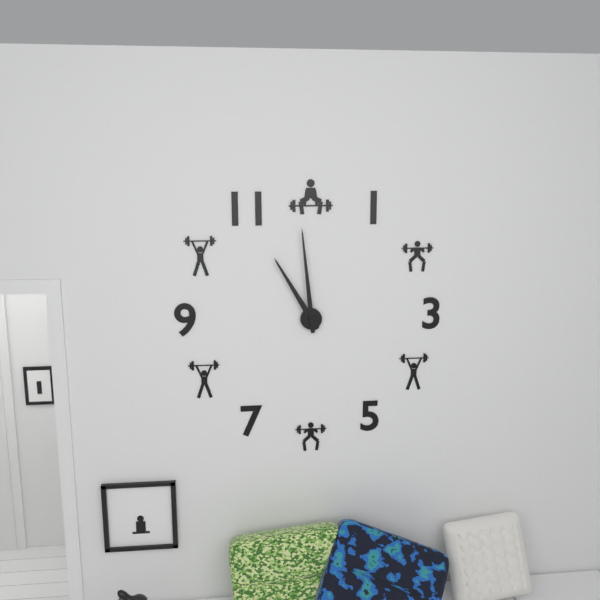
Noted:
10,59
